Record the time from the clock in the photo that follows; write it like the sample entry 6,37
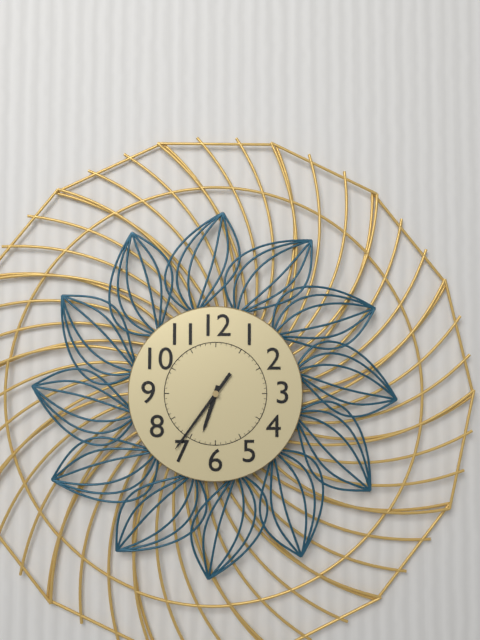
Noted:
6,36
